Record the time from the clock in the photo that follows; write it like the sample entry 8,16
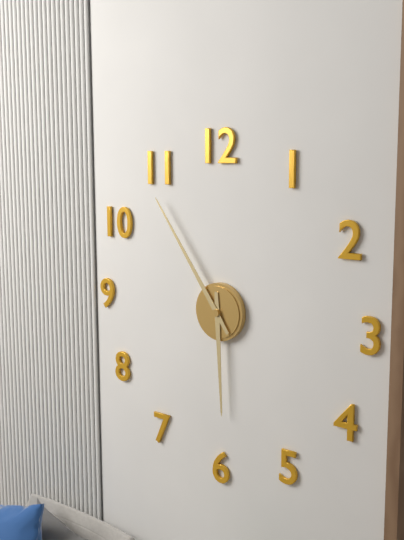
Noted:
5,54
